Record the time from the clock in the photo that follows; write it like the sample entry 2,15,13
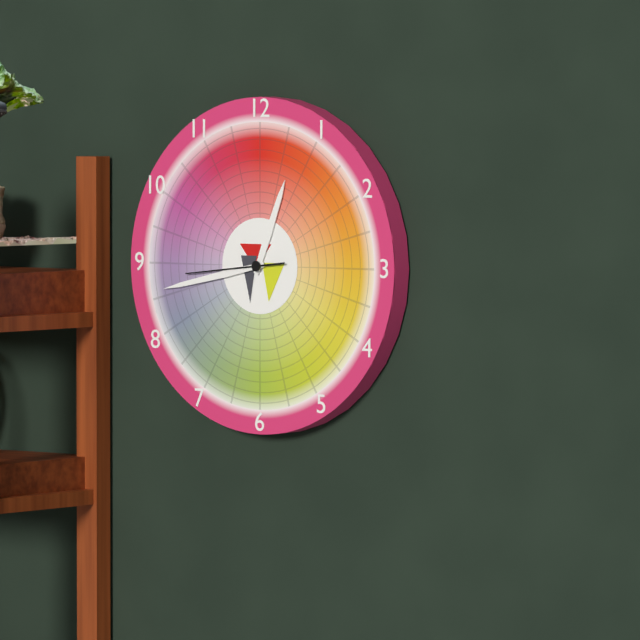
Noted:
12,43,44
